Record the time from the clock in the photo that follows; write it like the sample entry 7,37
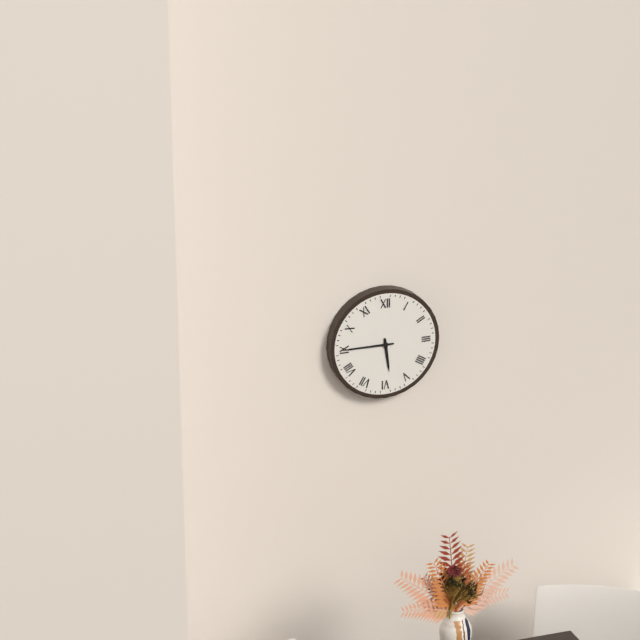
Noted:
5,45
